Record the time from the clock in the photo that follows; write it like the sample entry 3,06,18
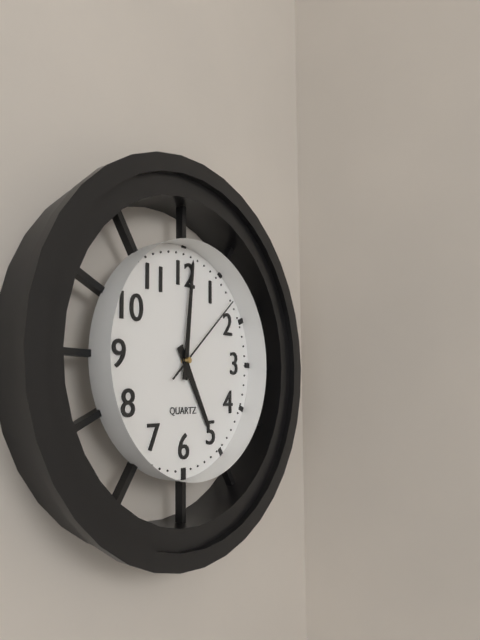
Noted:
5,01,08
